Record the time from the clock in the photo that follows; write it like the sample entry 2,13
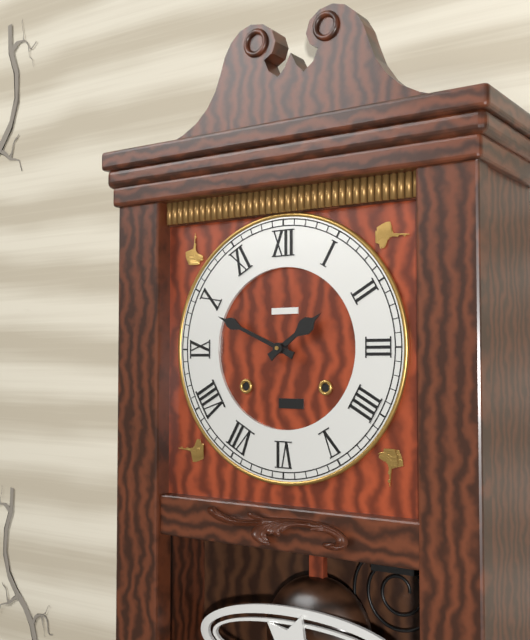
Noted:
1,49
